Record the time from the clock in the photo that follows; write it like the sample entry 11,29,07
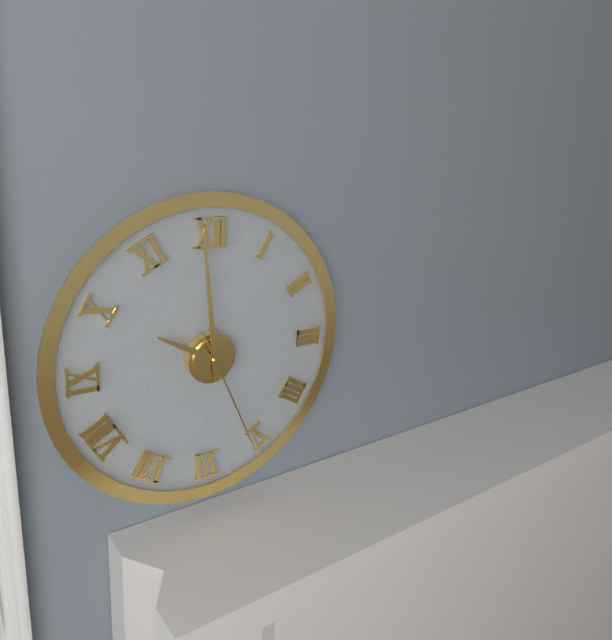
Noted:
9,59,26
